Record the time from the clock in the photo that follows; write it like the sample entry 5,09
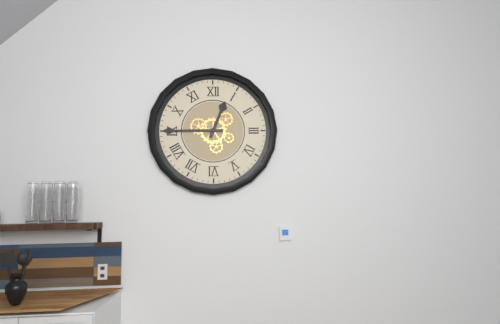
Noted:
12,45
